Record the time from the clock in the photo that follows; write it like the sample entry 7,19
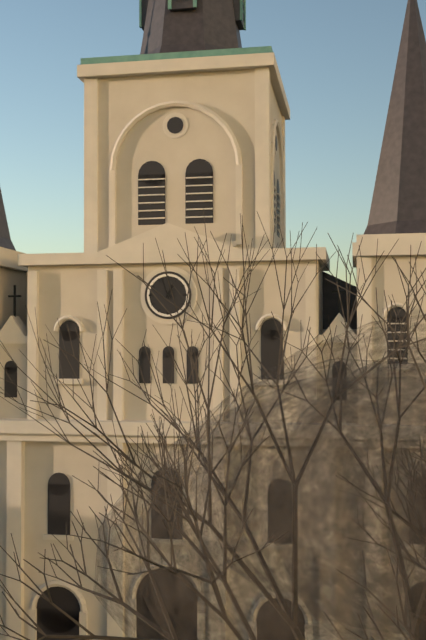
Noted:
12,57
